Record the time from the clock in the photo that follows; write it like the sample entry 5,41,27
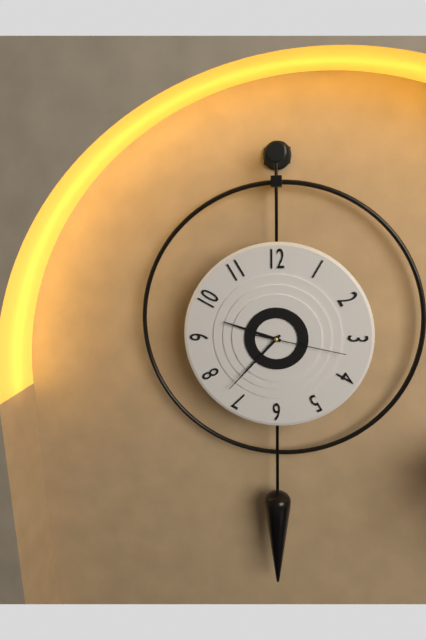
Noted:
9,37,17
